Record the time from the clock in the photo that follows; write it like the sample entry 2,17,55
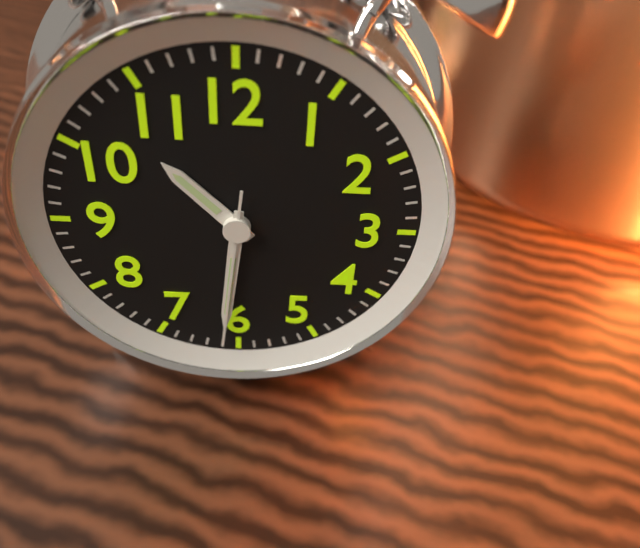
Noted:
10,31,31
